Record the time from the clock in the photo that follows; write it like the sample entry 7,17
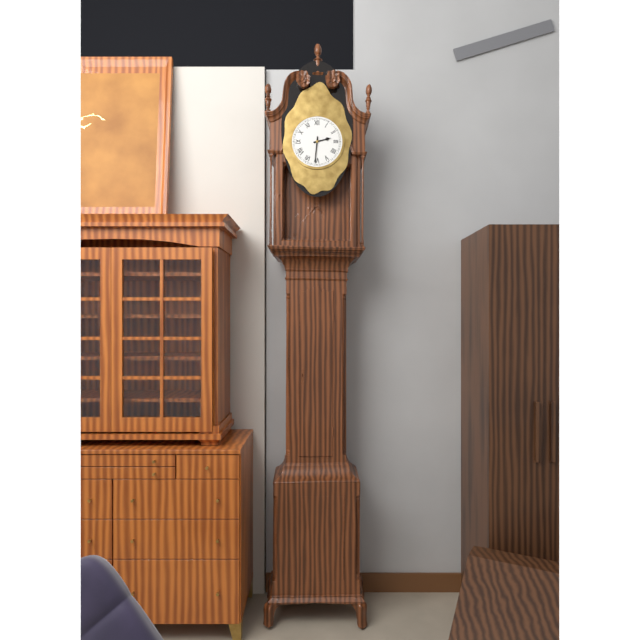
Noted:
2,31
